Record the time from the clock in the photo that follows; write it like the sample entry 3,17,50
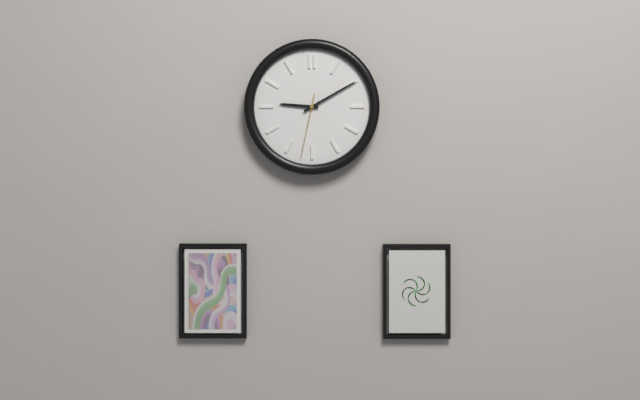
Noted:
9,10,32
